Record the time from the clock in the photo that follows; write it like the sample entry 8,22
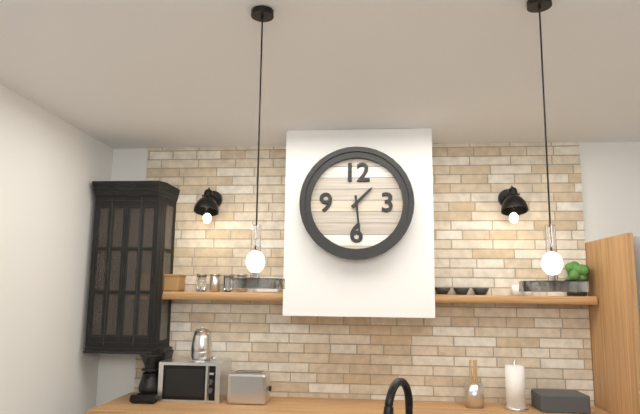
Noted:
1,29
